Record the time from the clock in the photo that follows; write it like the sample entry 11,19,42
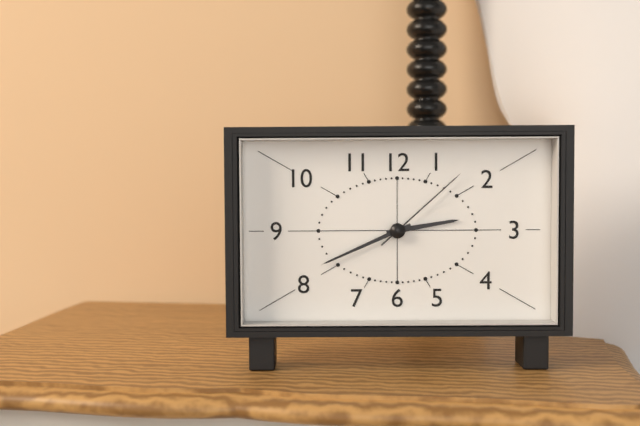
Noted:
2,41,08
